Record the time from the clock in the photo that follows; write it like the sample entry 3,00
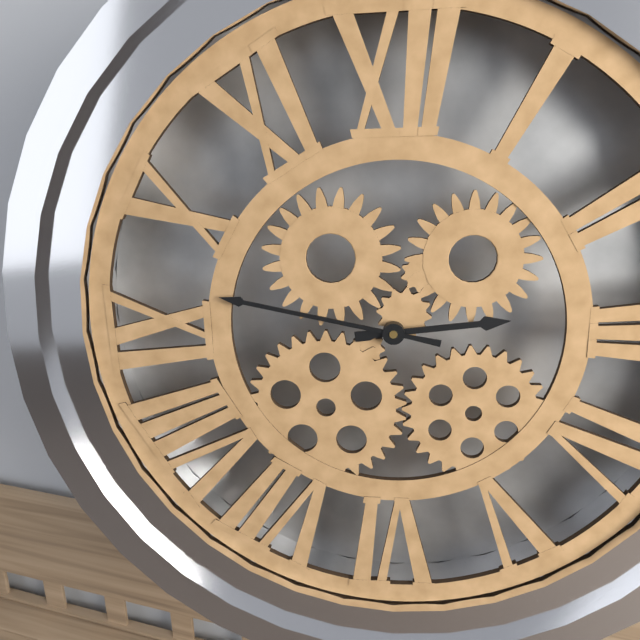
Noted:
2,47
